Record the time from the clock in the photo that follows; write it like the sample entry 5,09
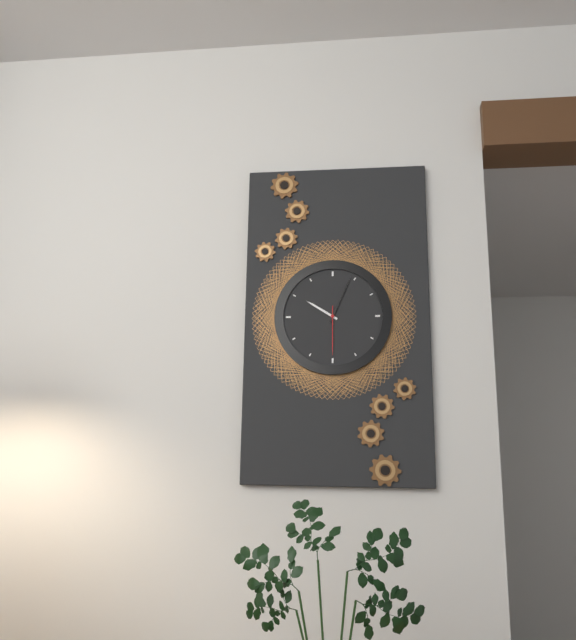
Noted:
10,04
